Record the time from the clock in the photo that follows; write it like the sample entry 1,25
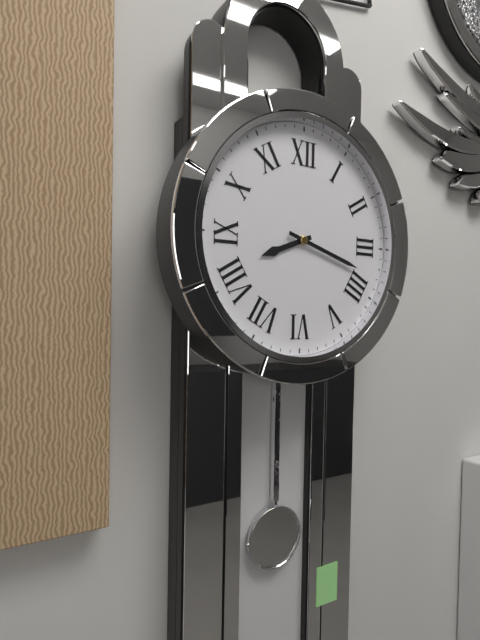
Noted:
8,18
